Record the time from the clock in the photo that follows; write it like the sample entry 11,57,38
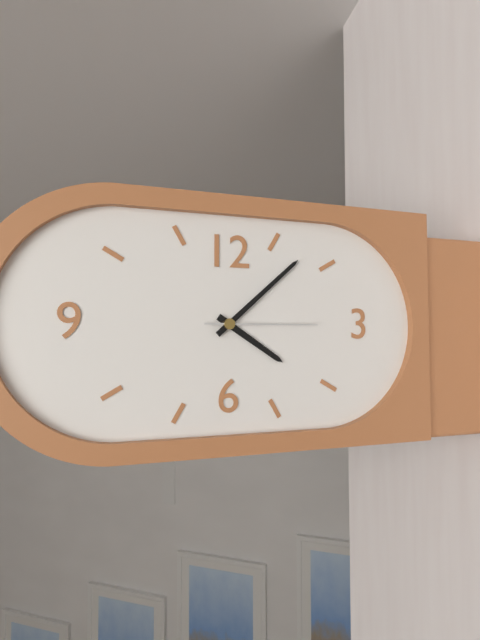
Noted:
4,08,15
